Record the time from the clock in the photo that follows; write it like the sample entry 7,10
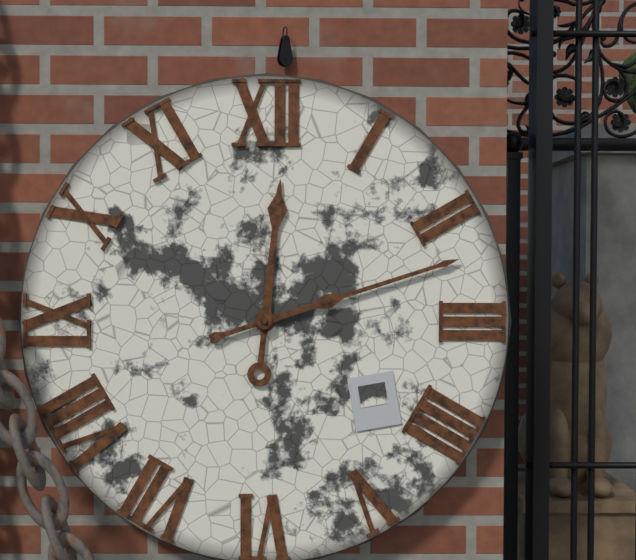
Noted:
12,12
